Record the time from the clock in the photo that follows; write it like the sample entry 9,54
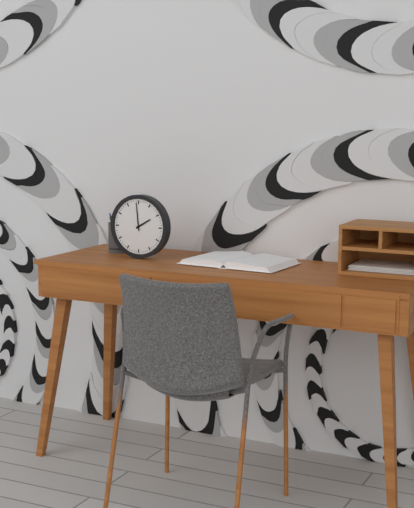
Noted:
1,59
